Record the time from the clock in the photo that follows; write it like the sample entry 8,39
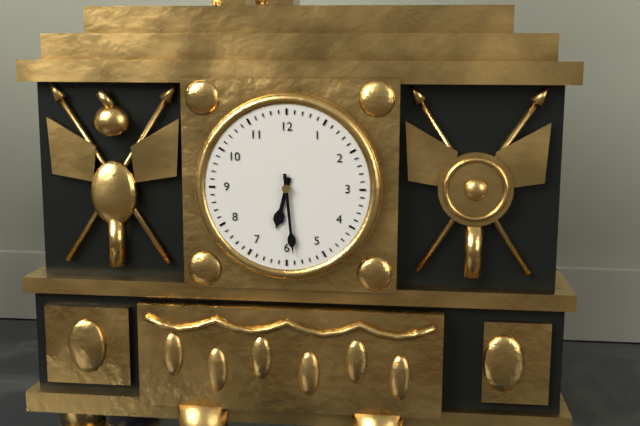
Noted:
6,29
